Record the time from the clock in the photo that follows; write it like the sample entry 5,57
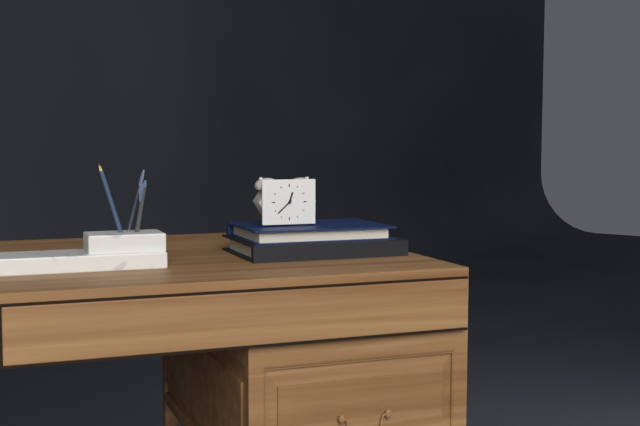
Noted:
12,38
